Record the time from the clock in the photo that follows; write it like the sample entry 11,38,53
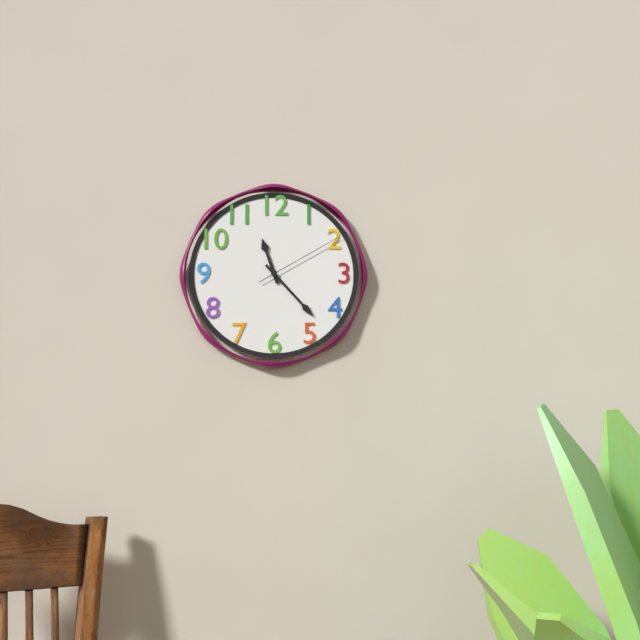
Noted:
11,23,10
